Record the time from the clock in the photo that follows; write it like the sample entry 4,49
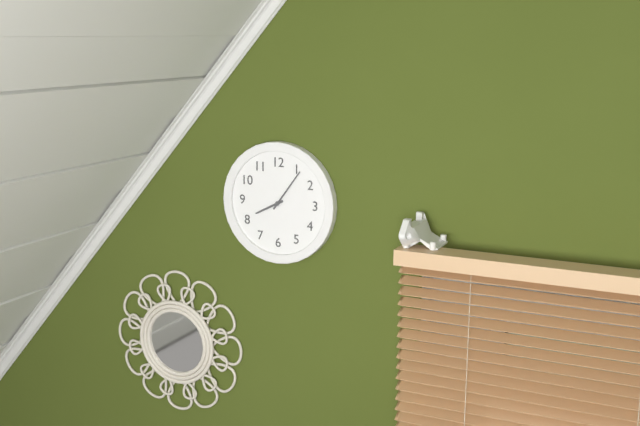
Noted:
8,06
